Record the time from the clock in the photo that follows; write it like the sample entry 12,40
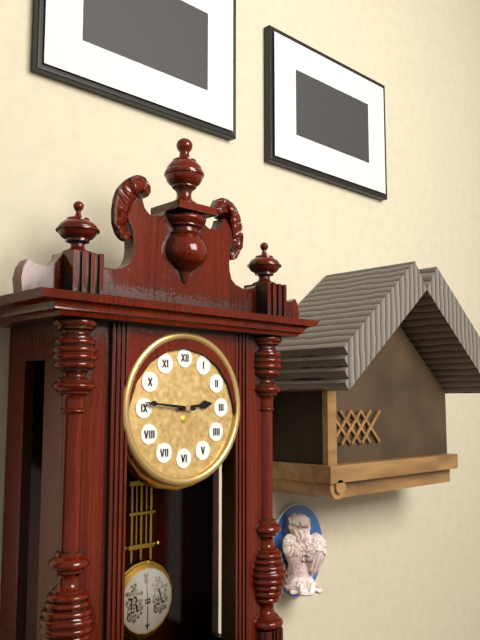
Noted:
2,46
